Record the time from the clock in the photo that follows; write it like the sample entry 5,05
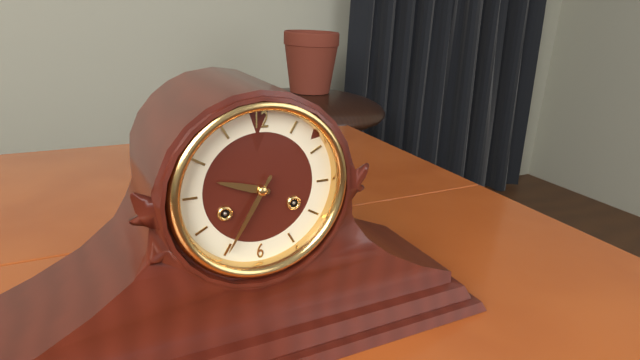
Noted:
9,35
